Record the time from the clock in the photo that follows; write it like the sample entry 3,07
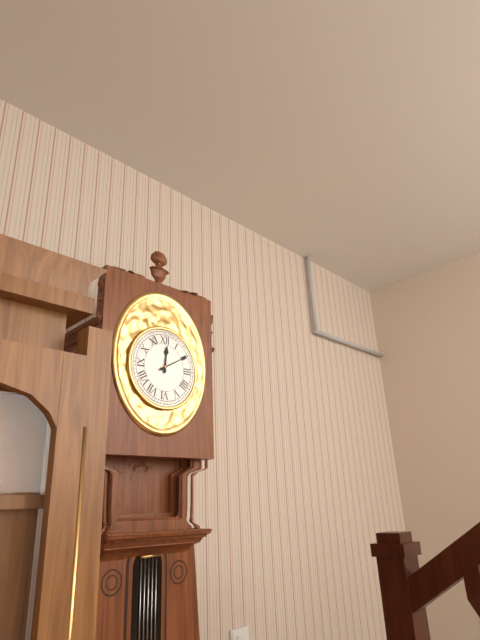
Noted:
12,10
